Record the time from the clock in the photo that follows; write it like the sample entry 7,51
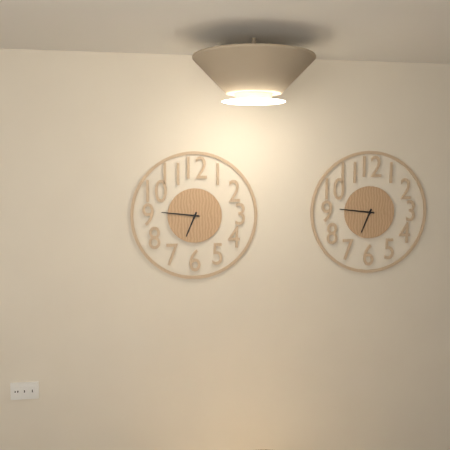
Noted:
6,46
